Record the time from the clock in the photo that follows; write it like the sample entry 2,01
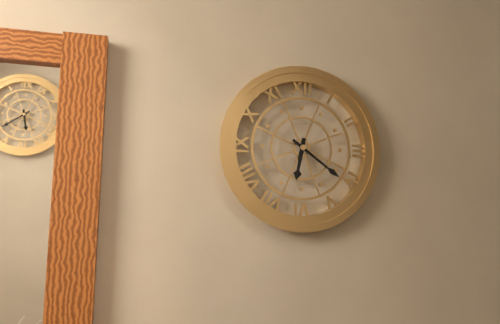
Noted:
6,21
